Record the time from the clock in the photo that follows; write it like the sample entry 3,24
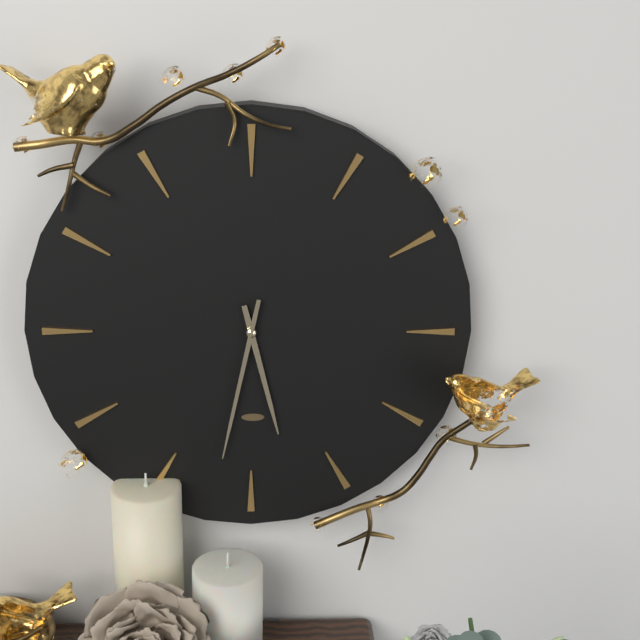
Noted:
5,32
